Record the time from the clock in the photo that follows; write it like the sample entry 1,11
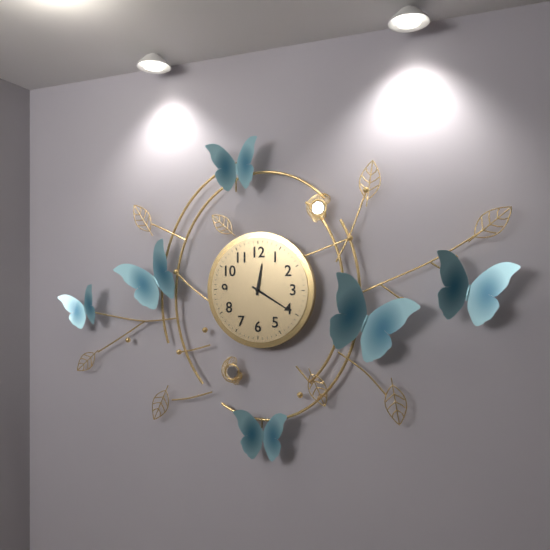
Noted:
12,20
